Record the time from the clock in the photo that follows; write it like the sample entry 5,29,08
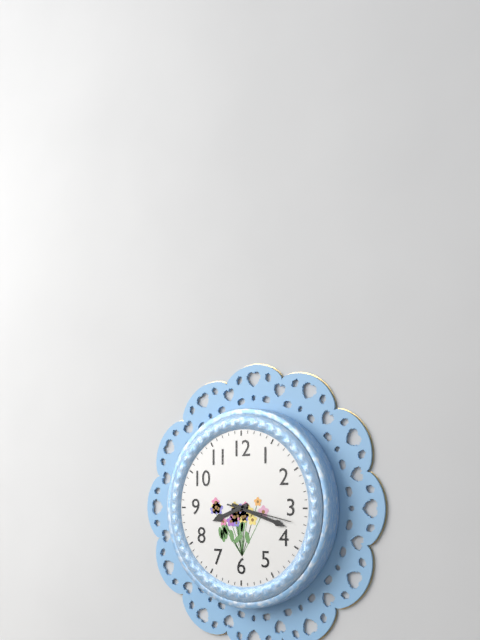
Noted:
8,18,17
